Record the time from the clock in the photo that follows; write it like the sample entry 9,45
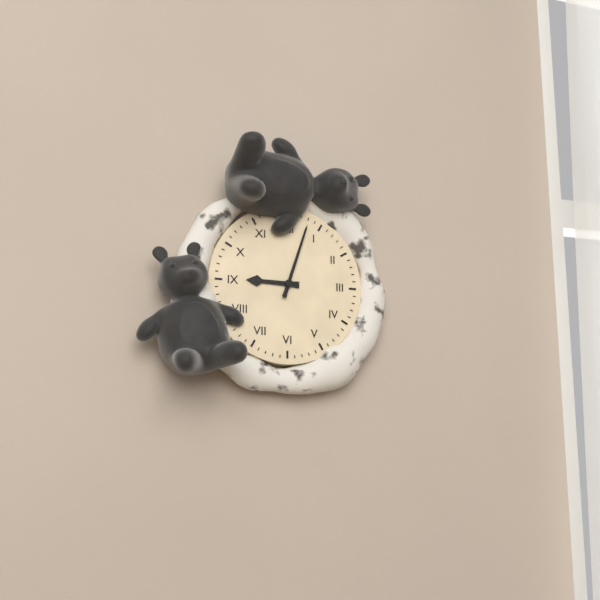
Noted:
9,03
